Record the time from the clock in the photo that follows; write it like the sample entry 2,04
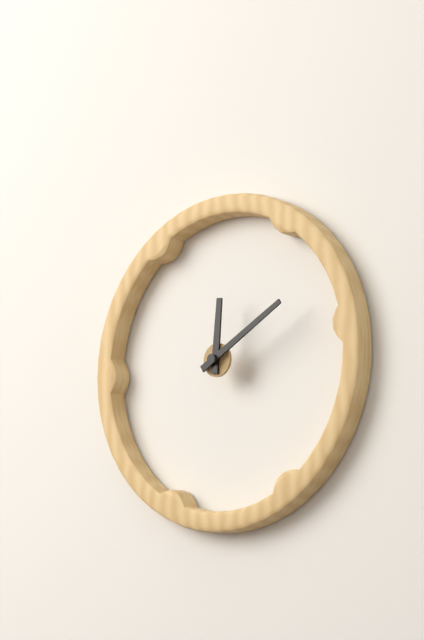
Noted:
12,10
